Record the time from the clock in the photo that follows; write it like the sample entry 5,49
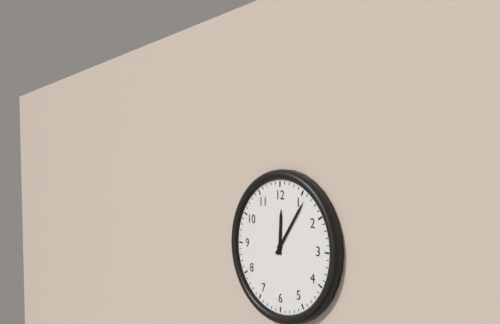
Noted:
12,06
